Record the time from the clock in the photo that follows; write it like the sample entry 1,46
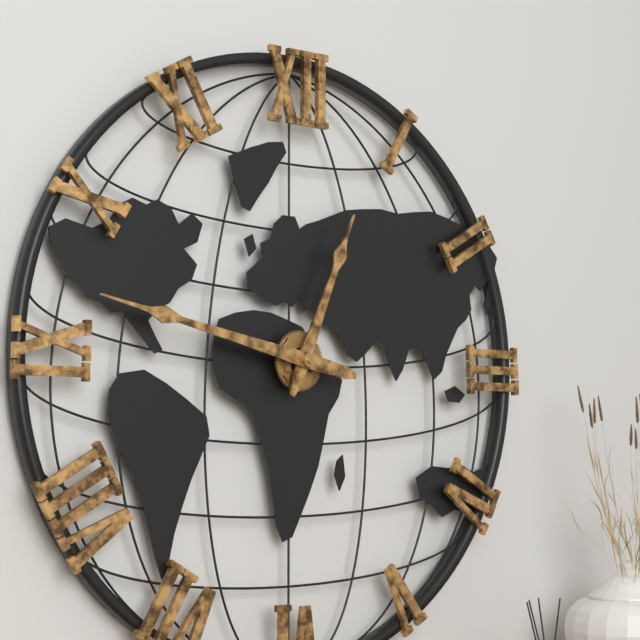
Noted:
12,47
